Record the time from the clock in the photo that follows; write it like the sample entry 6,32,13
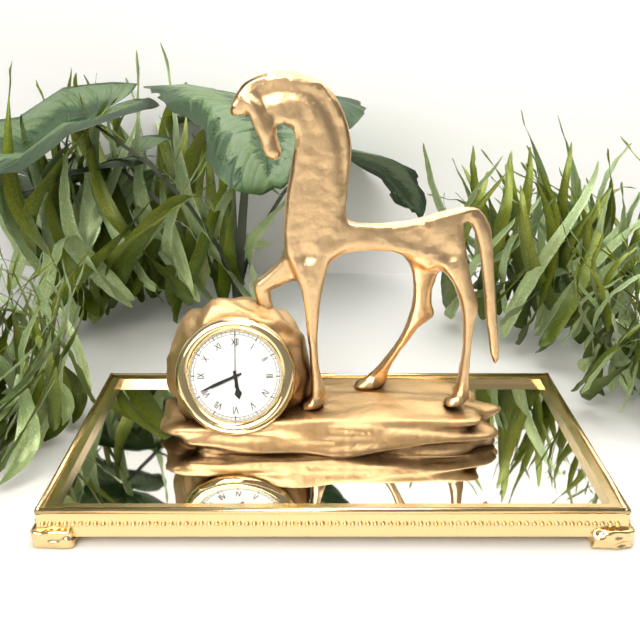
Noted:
5,41,00
